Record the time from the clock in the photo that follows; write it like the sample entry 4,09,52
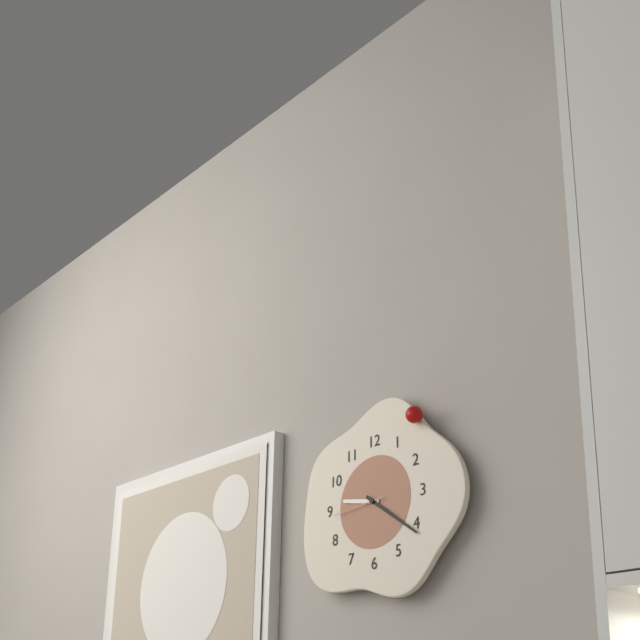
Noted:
9,21,44
